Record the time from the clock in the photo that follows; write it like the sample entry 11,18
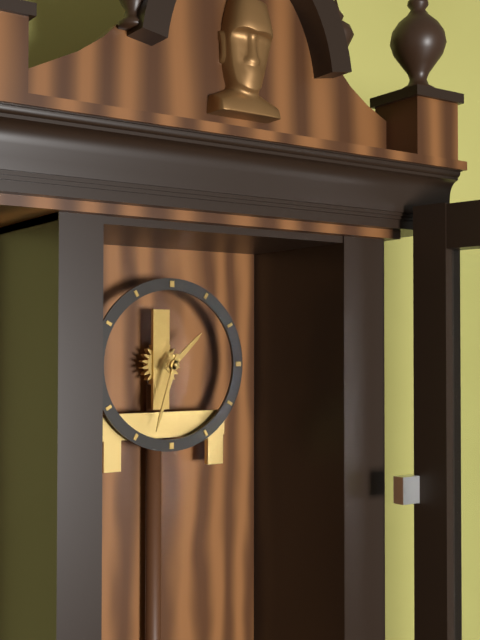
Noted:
1,33
